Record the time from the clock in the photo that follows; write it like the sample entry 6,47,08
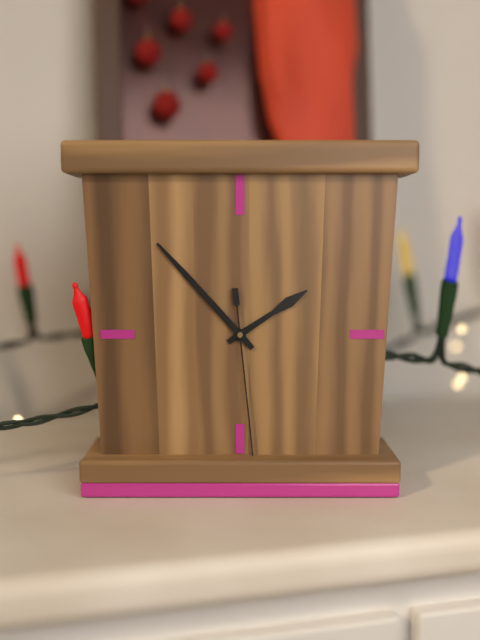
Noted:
1,53,29
